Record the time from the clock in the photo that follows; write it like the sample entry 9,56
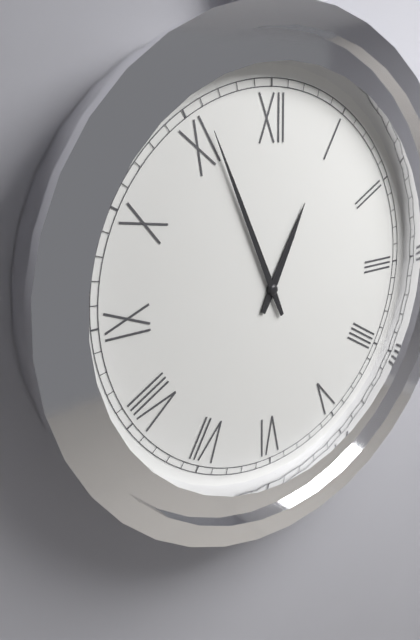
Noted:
12,56
